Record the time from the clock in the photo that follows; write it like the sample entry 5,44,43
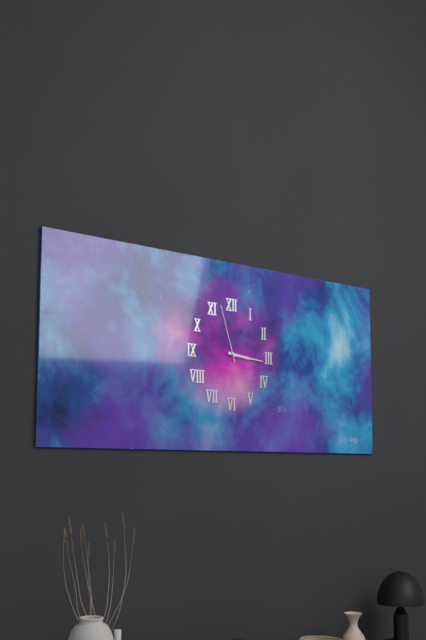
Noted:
3,16,57
